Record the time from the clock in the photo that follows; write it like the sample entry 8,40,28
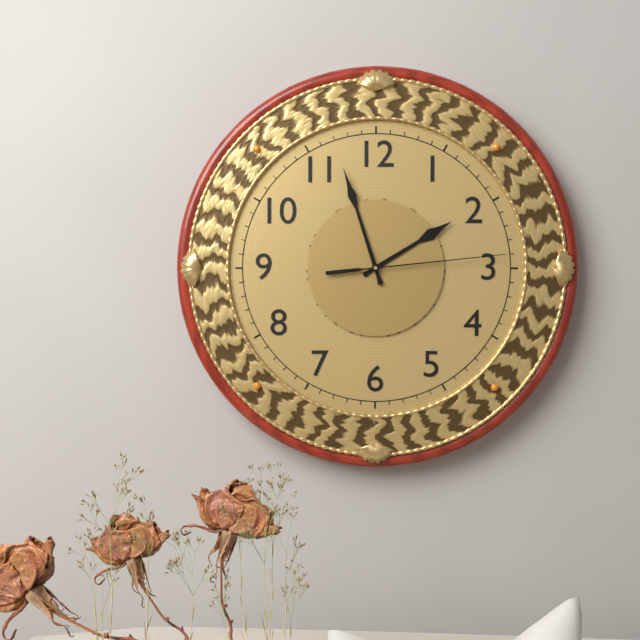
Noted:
1,57,14
